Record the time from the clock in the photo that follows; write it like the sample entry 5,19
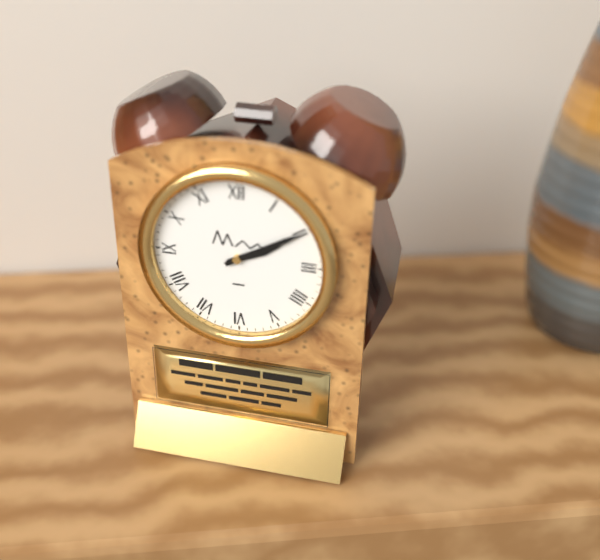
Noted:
2,10
